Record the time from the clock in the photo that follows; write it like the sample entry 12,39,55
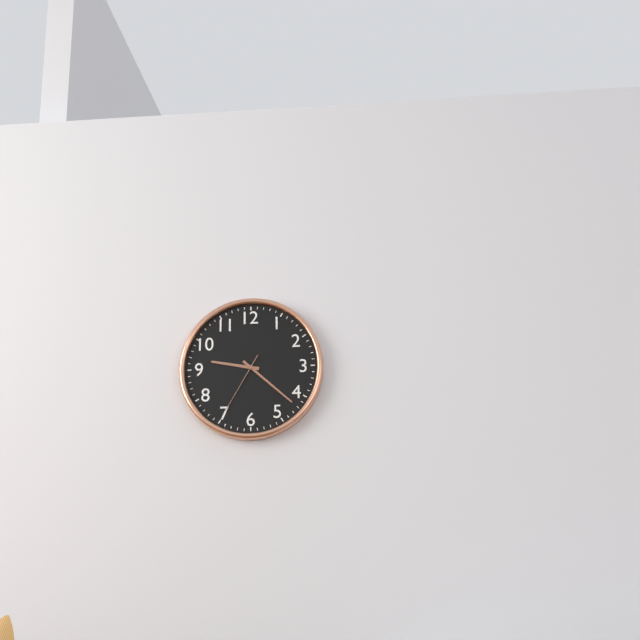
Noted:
9,22,35
